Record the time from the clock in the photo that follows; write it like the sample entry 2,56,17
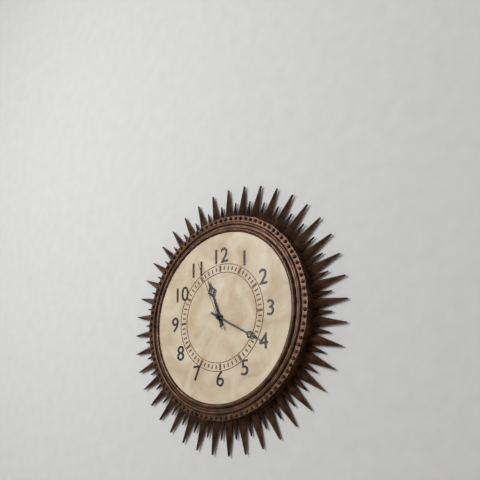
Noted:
11,20,56
